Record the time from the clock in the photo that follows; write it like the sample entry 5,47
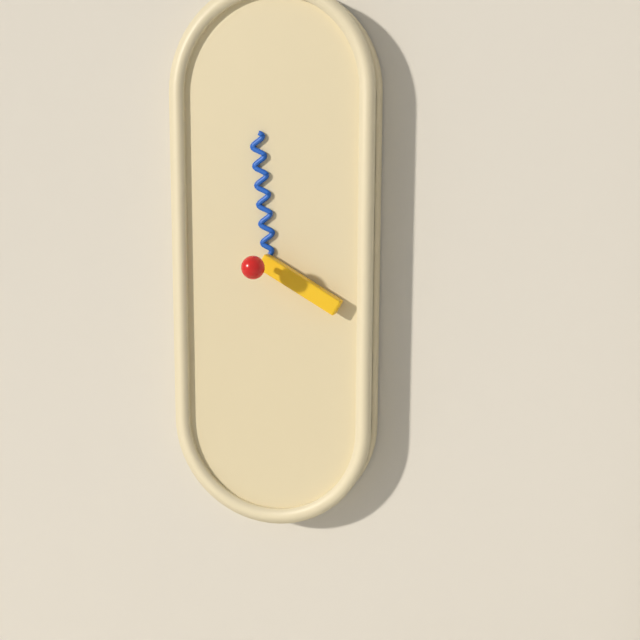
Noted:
3,59
